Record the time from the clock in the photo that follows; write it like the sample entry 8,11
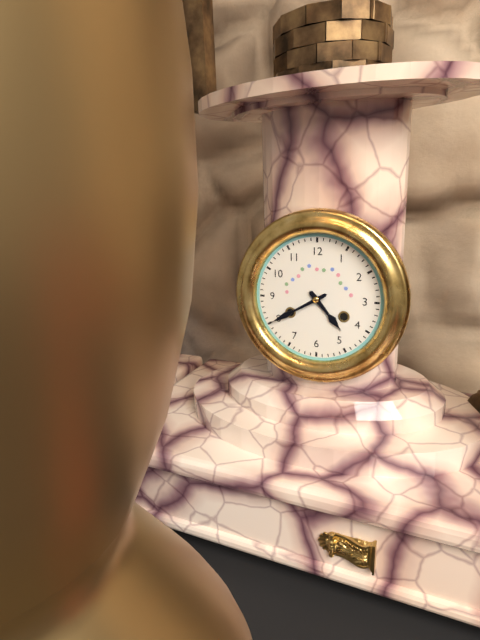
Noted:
4,40
